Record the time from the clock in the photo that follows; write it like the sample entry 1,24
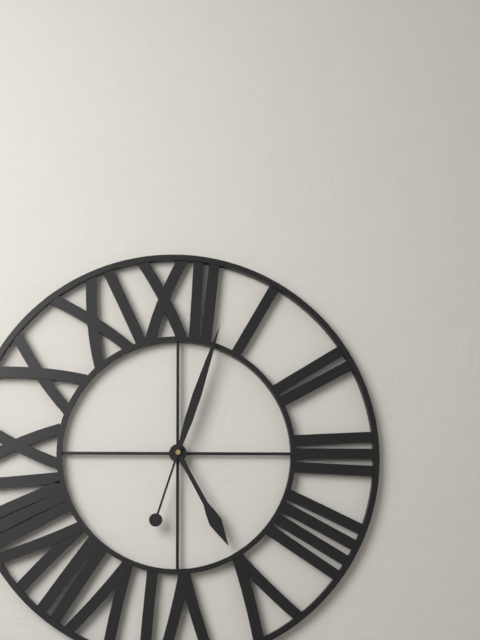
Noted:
5,03
